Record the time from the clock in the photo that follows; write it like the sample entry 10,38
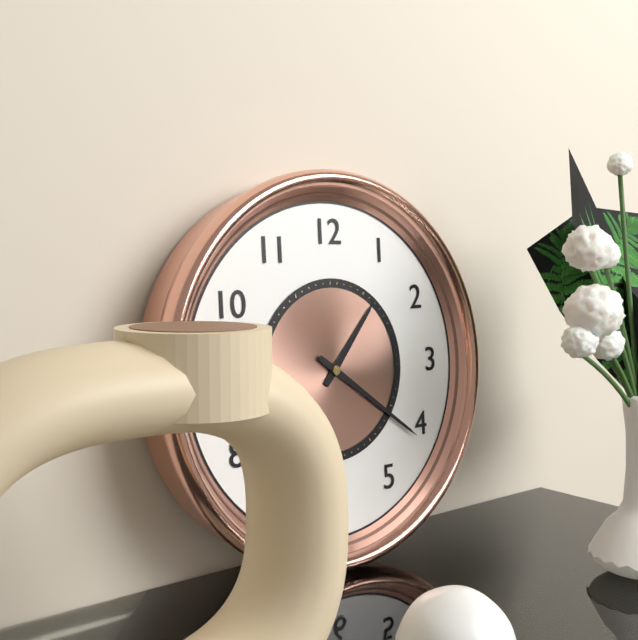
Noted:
1,21
